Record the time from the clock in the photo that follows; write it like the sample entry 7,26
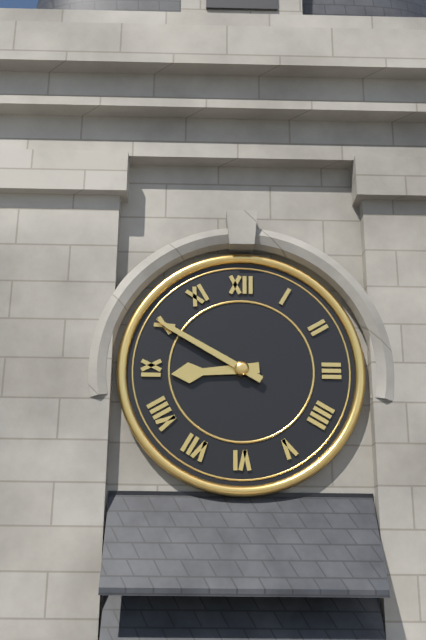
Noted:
8,50
